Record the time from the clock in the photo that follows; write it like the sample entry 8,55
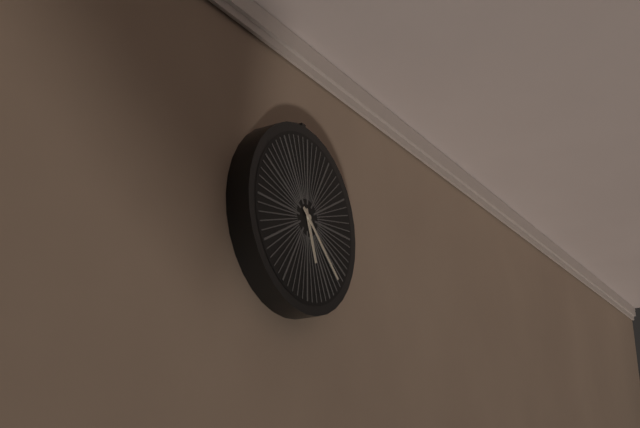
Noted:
5,22
